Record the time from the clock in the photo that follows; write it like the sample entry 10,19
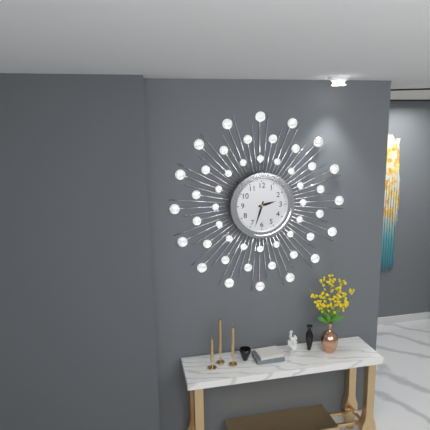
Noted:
2,33
